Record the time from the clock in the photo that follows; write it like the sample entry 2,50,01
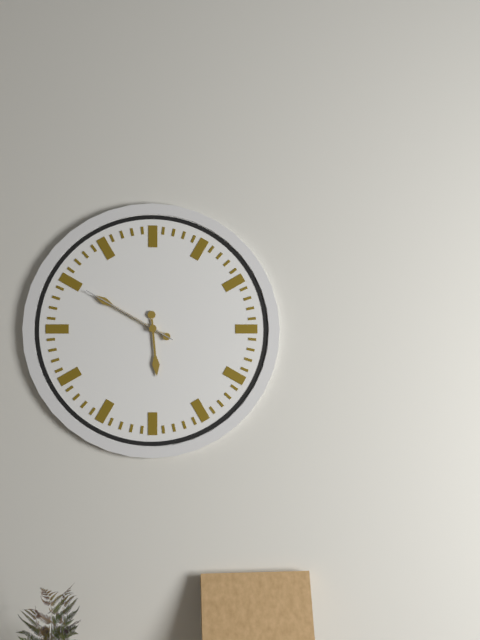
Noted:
5,50,50
